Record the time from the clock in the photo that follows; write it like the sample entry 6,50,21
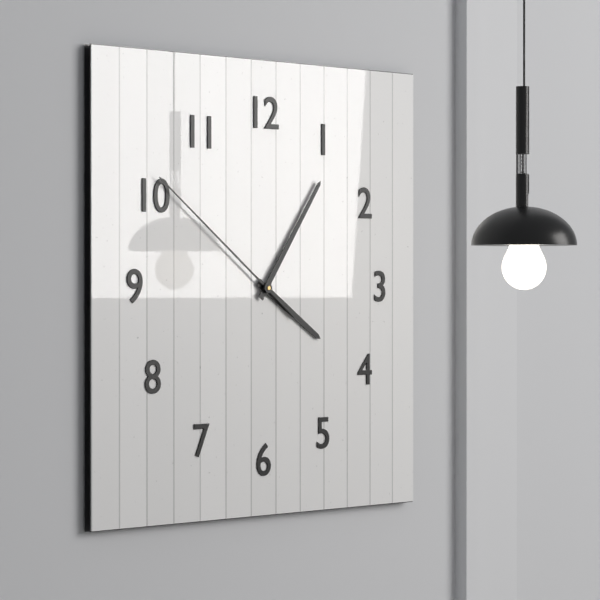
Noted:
4,06,51
